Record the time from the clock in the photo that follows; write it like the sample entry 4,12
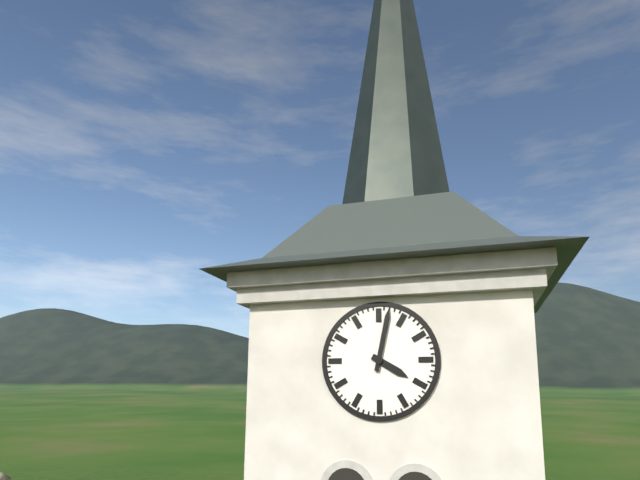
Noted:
4,02
